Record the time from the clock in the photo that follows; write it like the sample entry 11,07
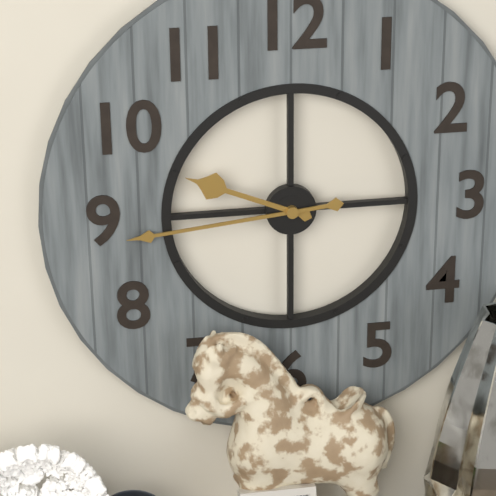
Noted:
9,44
